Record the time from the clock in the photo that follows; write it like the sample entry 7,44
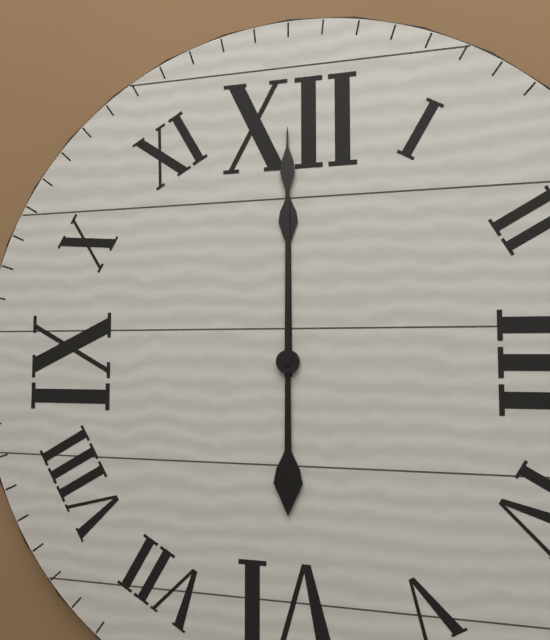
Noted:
12,00
